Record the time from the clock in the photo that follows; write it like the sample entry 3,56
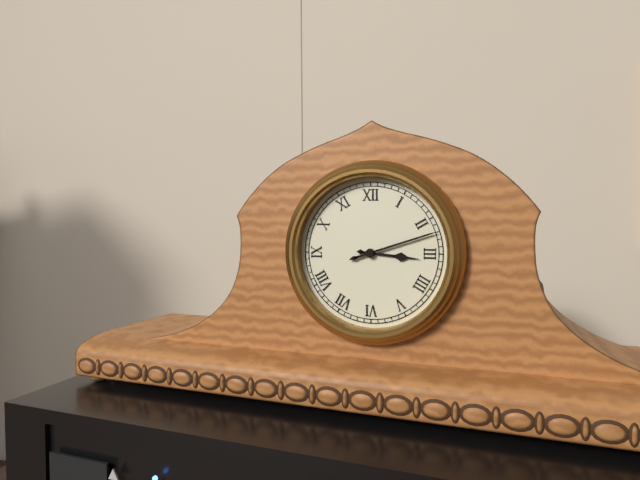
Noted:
3,12
